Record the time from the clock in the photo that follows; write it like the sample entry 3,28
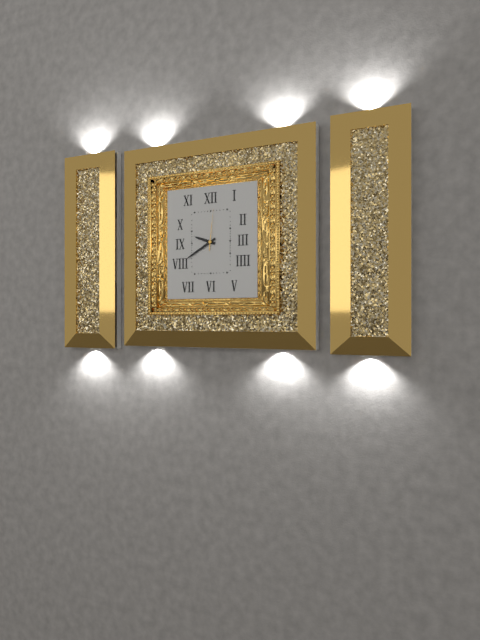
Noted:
9,40
